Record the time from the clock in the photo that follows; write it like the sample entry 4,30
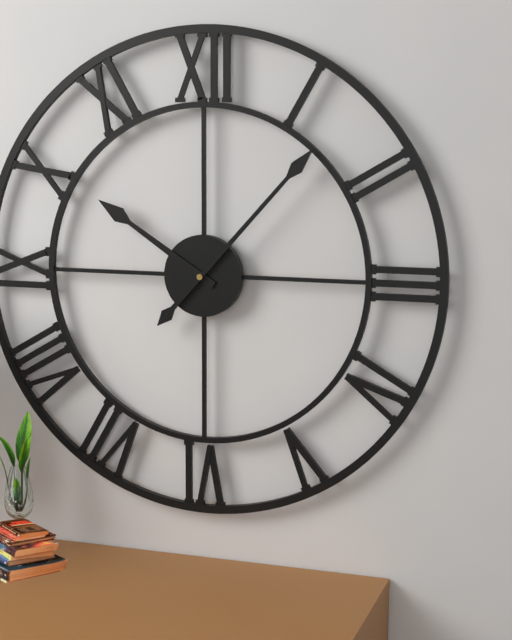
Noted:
10,07
